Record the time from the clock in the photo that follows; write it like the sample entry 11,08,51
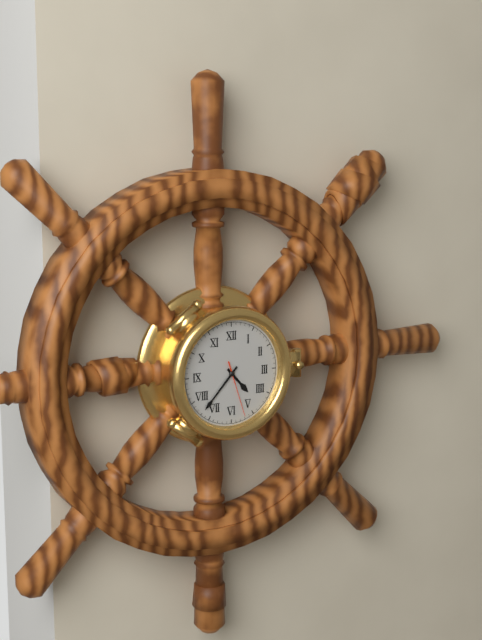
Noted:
4,37,27
